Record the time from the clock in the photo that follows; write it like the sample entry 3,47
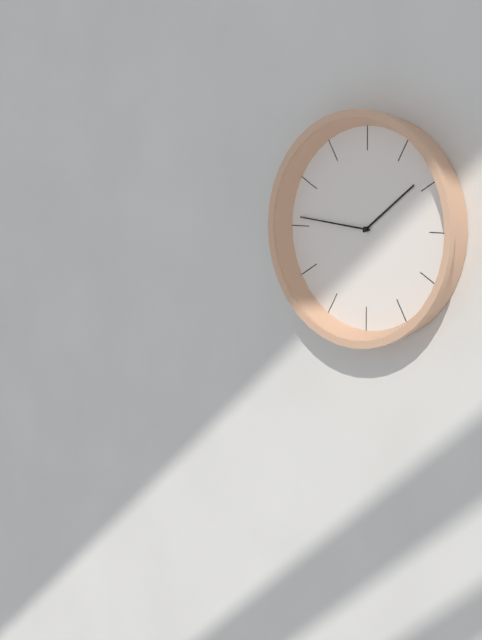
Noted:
1,46
